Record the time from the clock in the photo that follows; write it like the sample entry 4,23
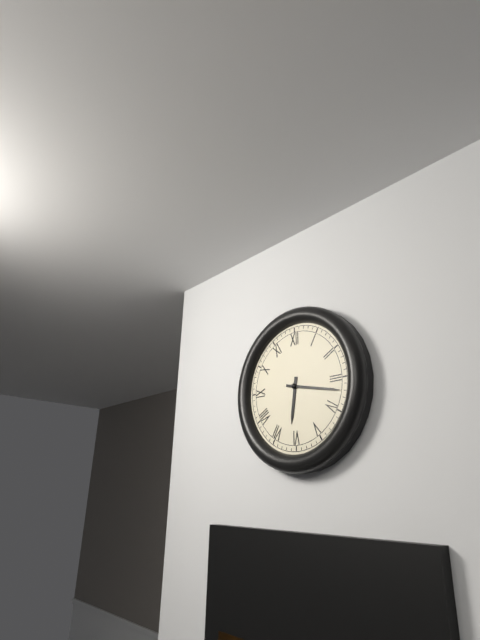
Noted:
6,17
